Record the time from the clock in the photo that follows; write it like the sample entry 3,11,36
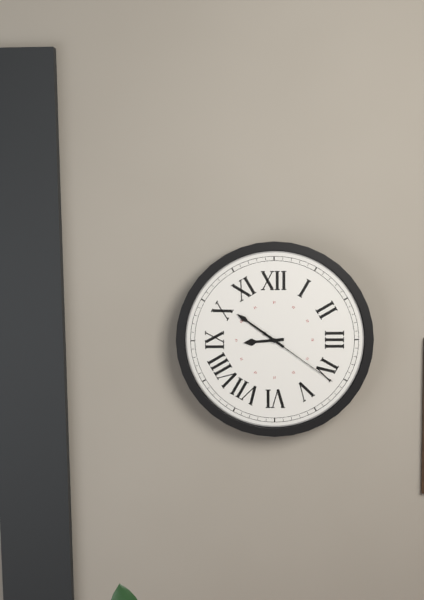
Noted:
8,51,21
